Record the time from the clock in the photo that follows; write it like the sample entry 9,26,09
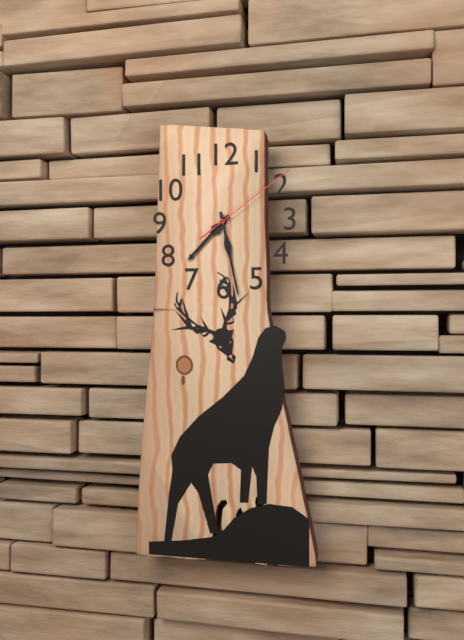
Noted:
7,28,09
